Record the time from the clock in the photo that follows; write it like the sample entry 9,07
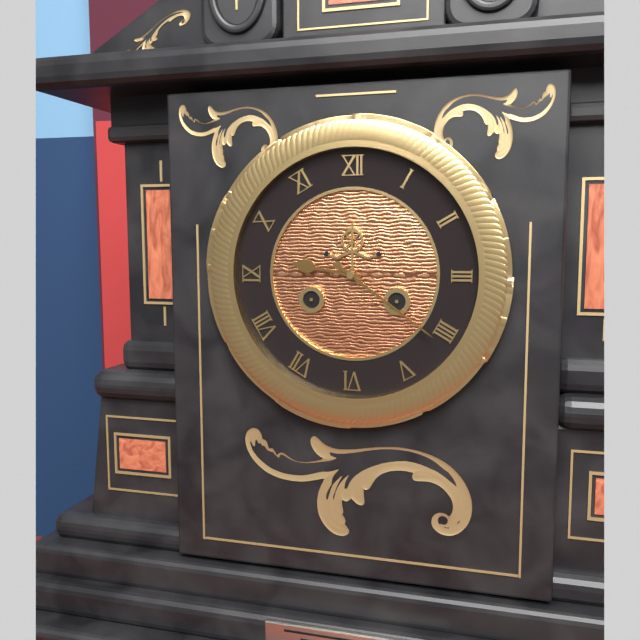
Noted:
9,21
